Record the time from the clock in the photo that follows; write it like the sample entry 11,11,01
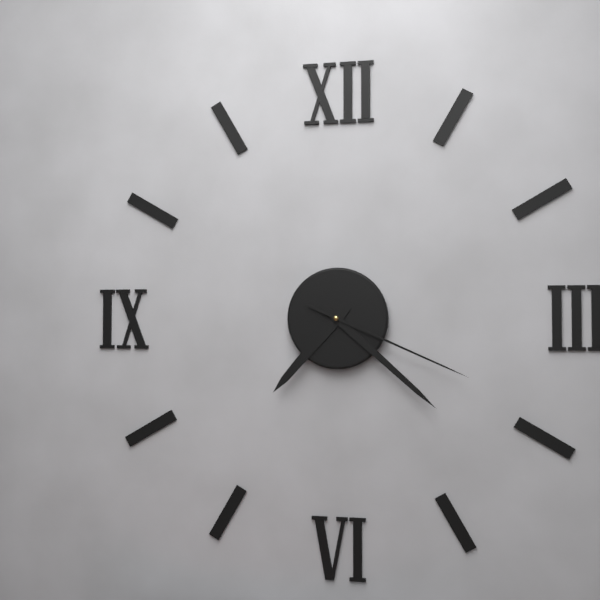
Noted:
7,22,19
